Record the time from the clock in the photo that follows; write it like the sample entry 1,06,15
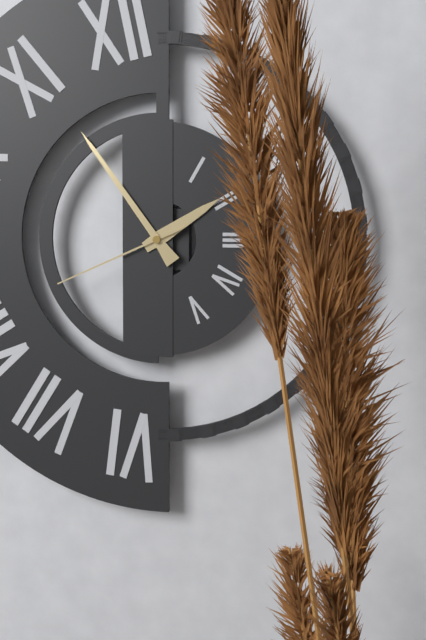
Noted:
1,54,41
